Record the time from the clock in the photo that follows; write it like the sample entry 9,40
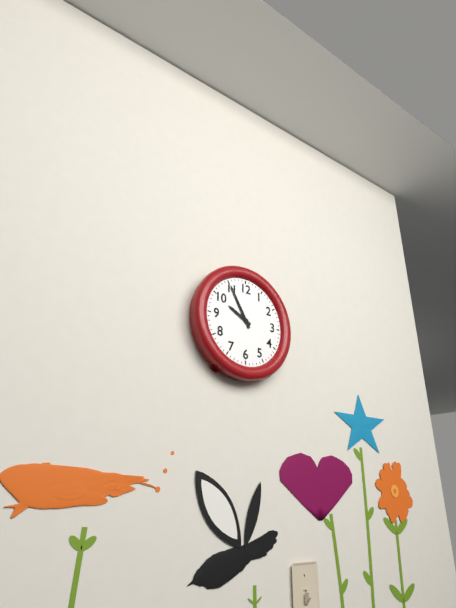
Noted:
9,55
